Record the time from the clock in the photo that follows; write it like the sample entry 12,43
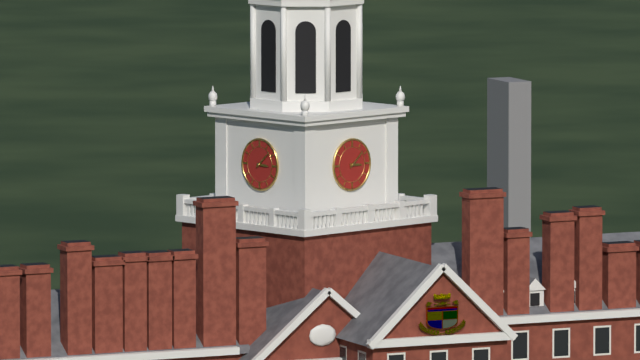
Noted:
3,08
